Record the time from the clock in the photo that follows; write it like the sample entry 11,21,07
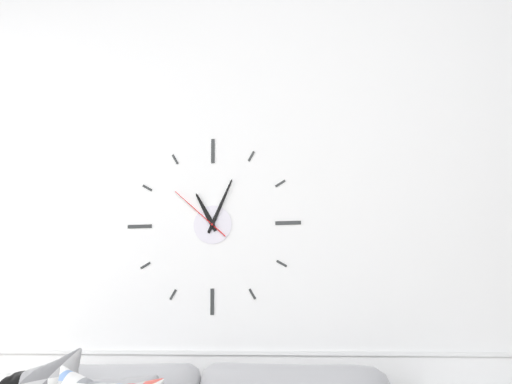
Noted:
11,04,52
